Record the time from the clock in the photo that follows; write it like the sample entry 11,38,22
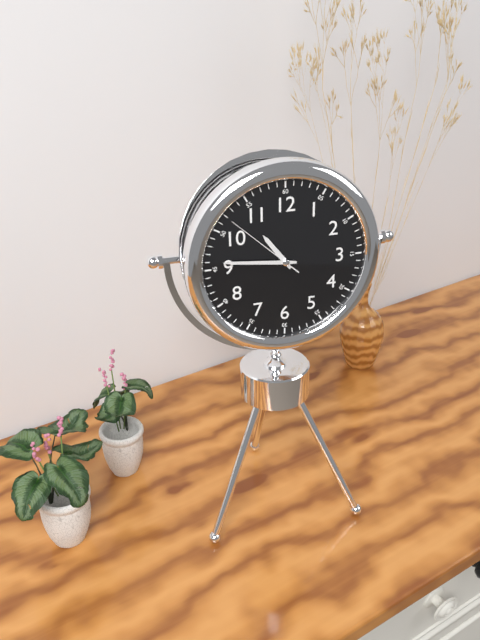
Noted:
10,46,52
